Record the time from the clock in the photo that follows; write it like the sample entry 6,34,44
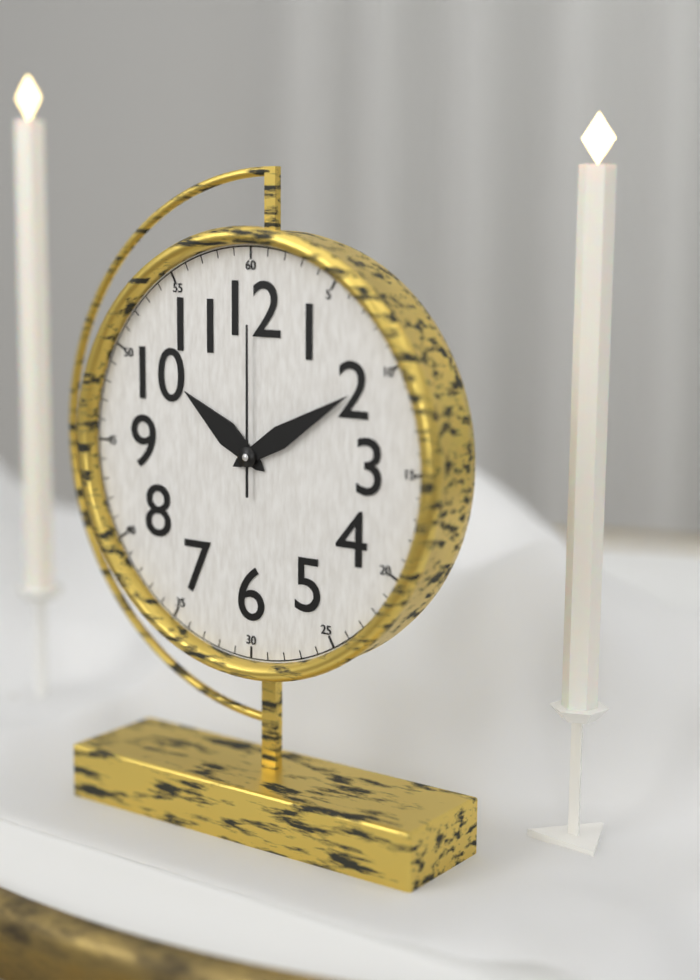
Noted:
10,10,00
